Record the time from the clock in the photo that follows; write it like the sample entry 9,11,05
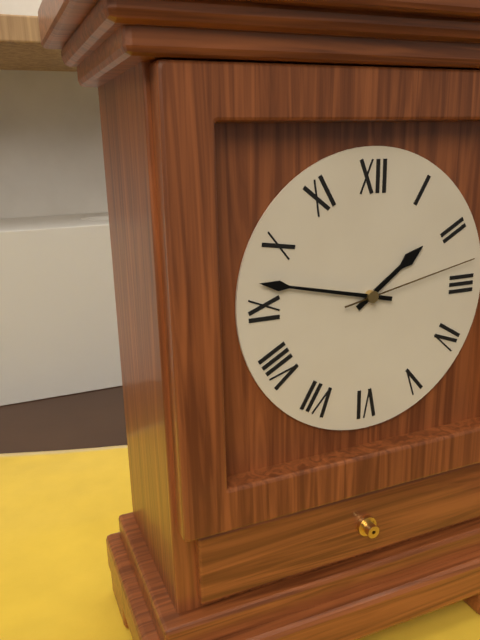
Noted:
1,47,13
